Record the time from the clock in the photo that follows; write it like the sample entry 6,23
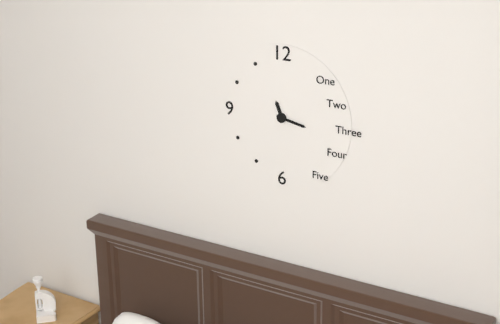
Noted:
11,17
